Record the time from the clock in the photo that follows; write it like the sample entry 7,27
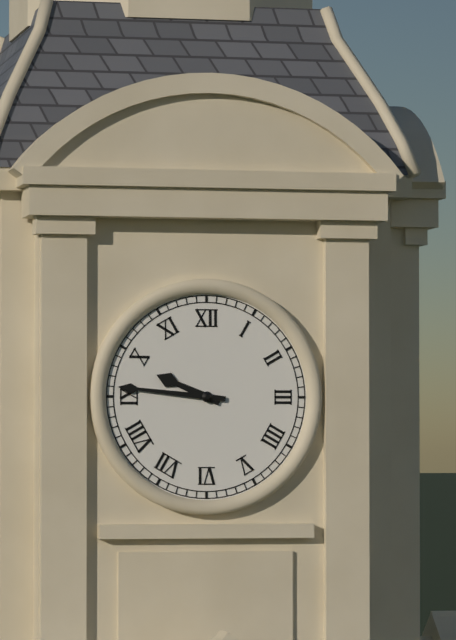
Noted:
9,46
